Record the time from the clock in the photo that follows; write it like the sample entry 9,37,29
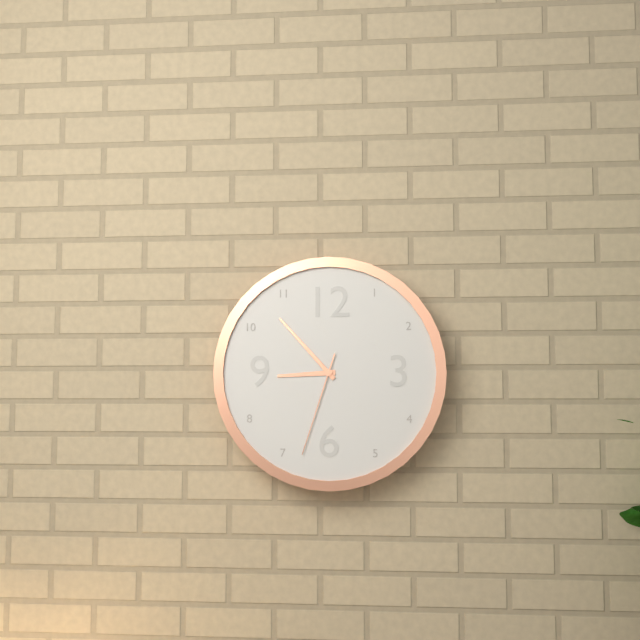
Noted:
8,53,33
